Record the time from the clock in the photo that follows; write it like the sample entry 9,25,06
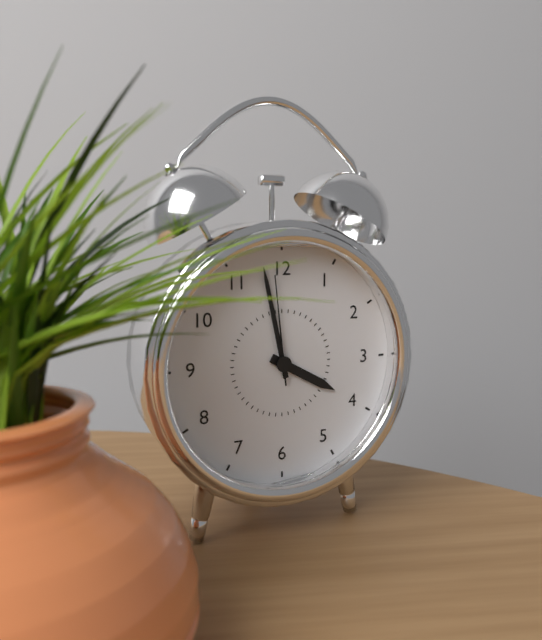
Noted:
3,58,59
